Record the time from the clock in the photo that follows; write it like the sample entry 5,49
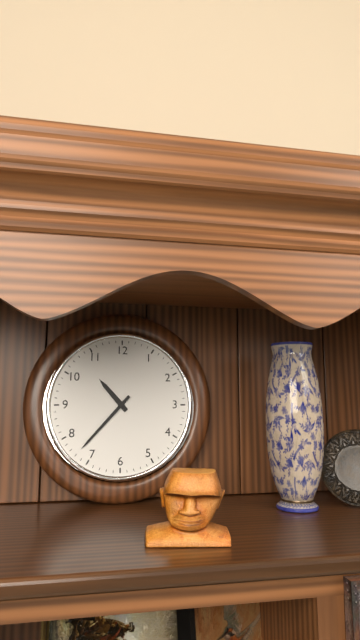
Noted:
10,37
